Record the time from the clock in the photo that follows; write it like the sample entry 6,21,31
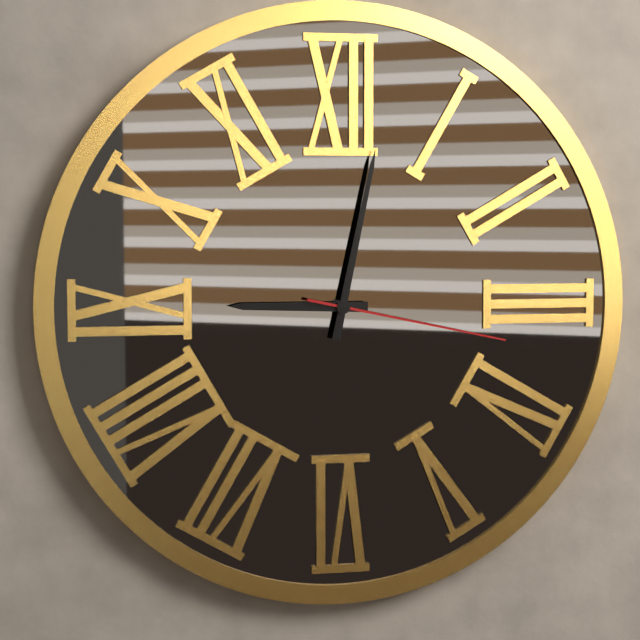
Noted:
9,02,17
